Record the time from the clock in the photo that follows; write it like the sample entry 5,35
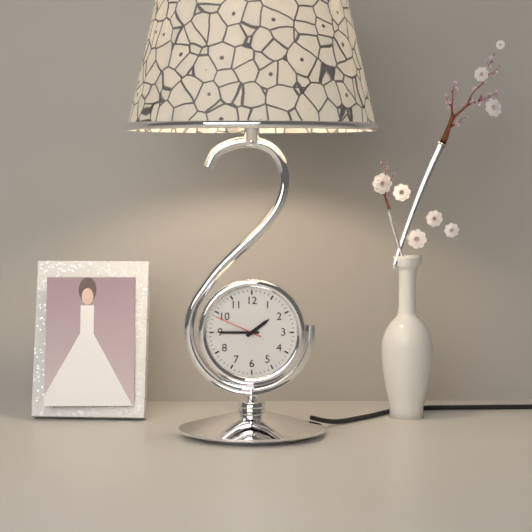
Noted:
1,45
